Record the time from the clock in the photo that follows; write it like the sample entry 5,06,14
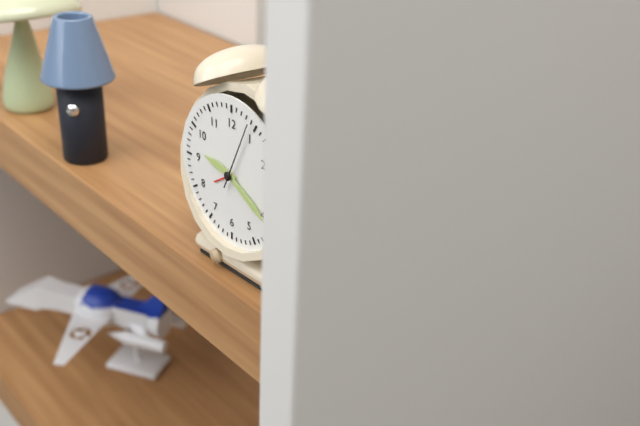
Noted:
9,20,04
